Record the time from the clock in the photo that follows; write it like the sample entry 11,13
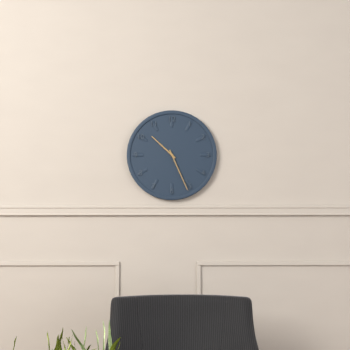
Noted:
10,26
